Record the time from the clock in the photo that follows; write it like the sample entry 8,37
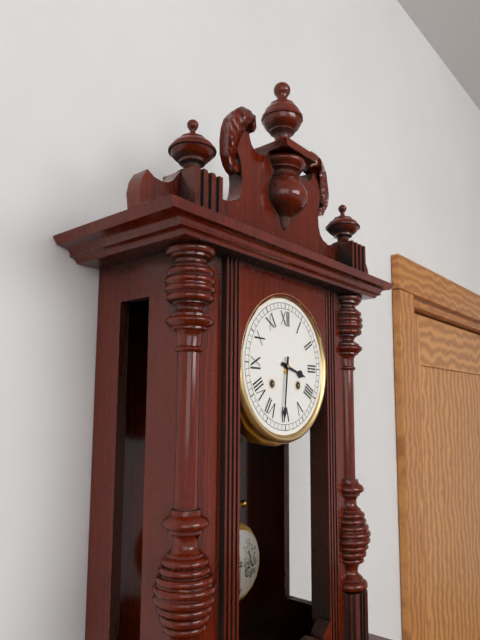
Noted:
3,31
